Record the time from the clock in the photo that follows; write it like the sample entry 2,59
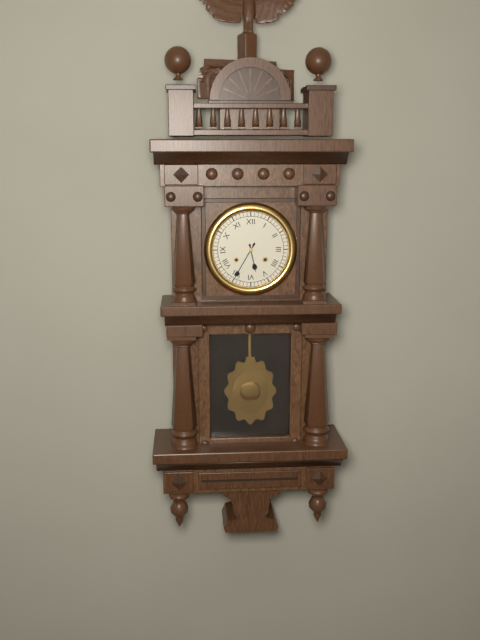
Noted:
5,35
